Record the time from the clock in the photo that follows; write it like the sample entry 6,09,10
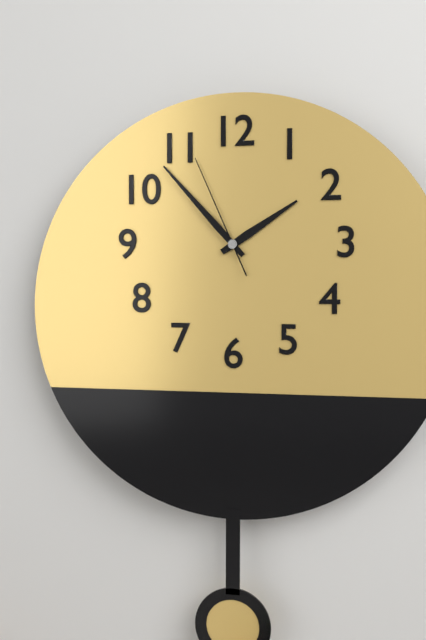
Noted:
1,53,56
